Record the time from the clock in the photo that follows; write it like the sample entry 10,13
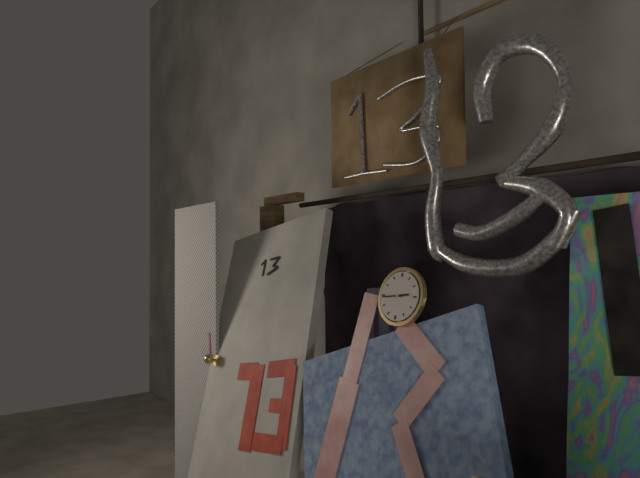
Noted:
2,44
